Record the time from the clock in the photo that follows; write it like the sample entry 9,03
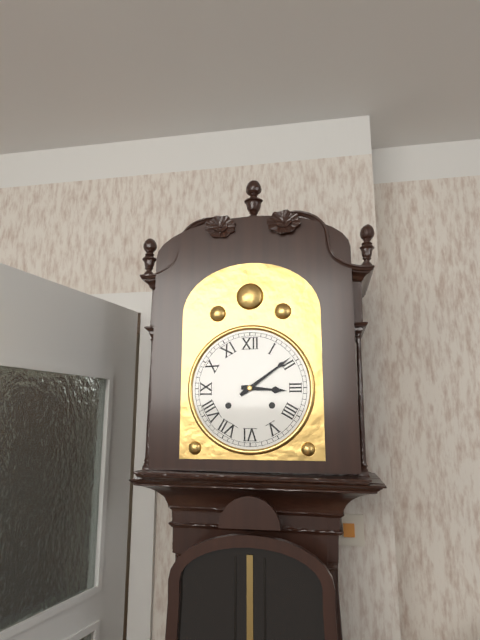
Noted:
3,09
